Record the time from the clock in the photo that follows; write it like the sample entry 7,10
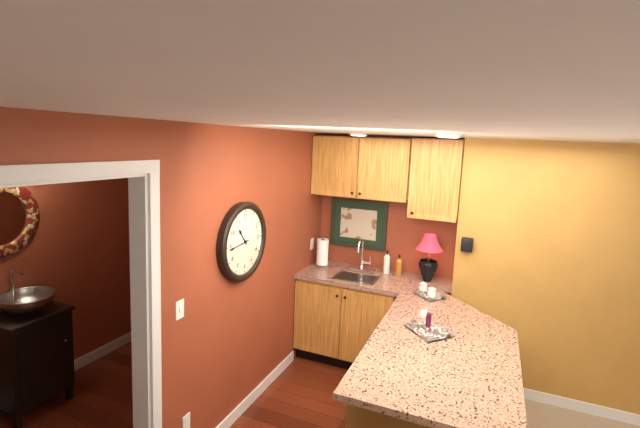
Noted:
10,44
